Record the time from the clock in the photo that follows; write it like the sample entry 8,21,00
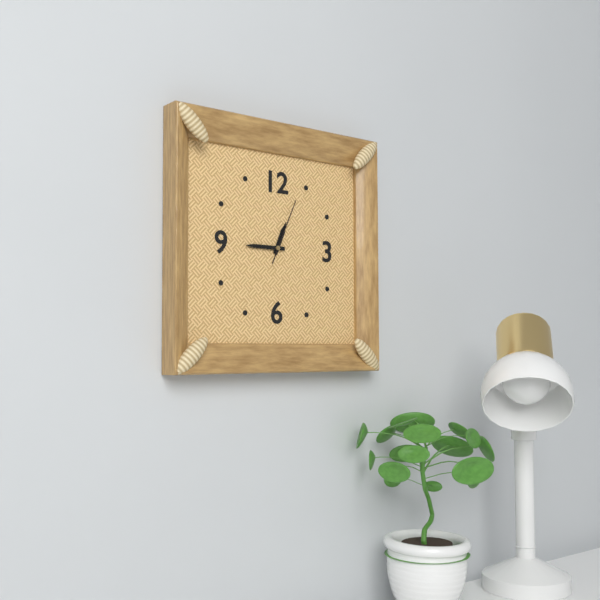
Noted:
12,45,04
